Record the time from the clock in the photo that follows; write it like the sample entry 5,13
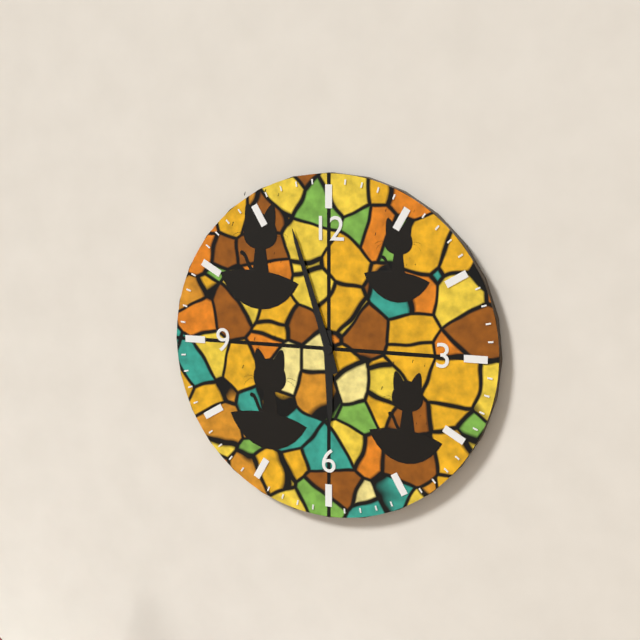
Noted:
5,57
